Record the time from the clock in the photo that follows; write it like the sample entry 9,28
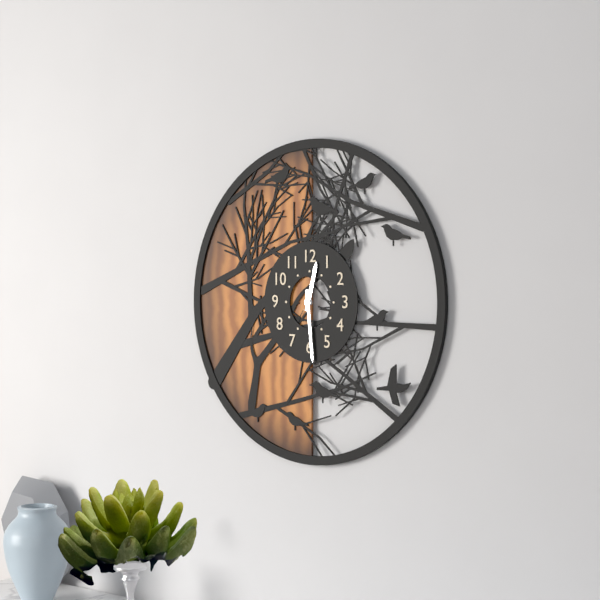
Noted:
12,29
